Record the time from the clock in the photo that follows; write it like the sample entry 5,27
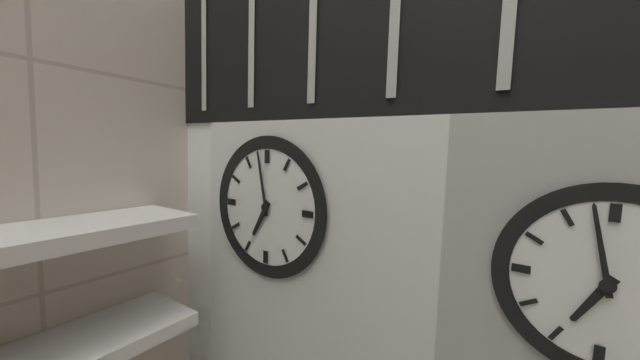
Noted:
6,58
